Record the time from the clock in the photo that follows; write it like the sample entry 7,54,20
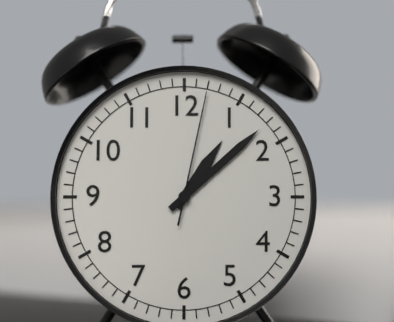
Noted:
1,08,02
